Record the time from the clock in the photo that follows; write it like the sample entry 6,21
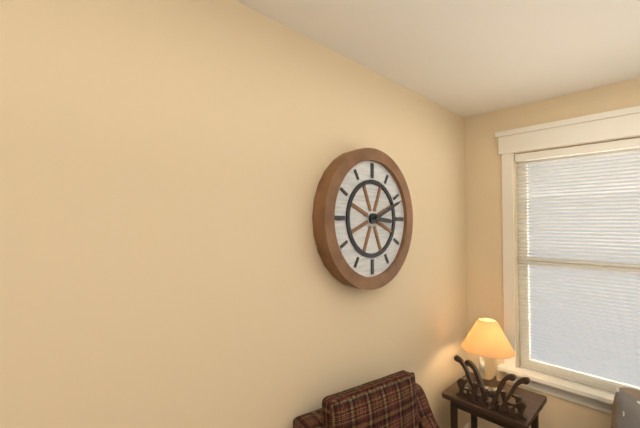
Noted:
3,11
